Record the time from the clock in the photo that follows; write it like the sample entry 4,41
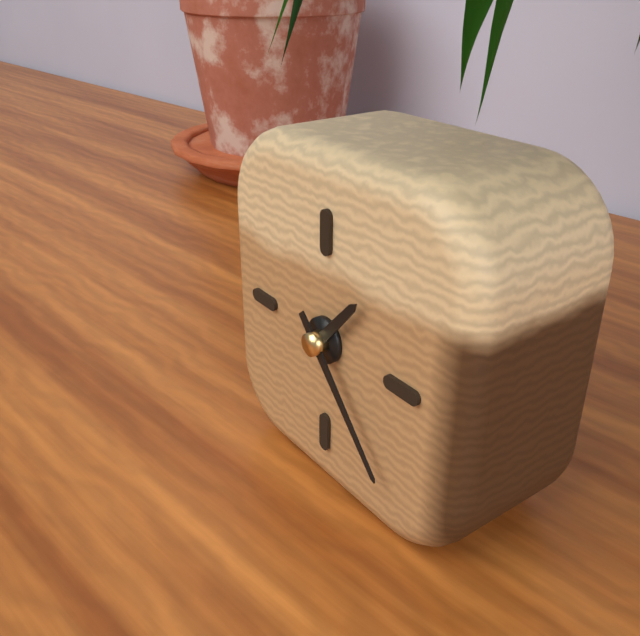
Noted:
1,23
